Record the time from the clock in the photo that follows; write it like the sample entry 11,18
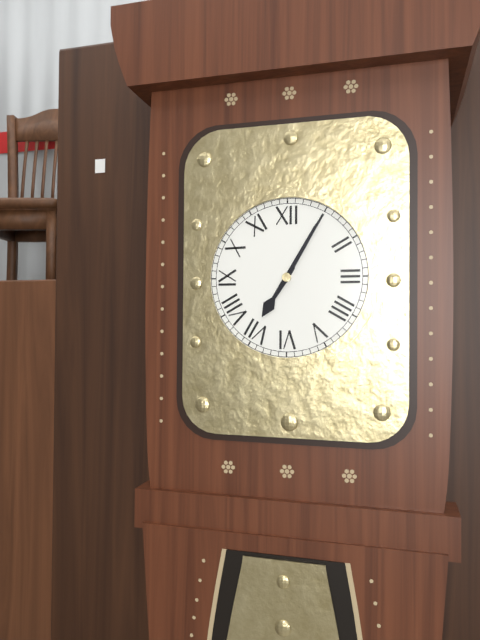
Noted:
7,05
